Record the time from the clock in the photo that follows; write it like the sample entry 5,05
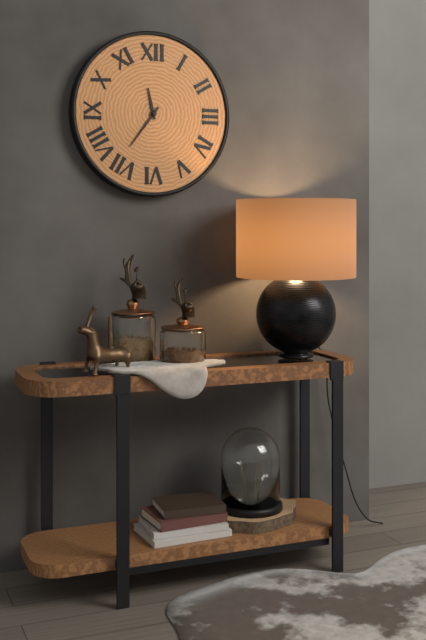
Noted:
11,36
